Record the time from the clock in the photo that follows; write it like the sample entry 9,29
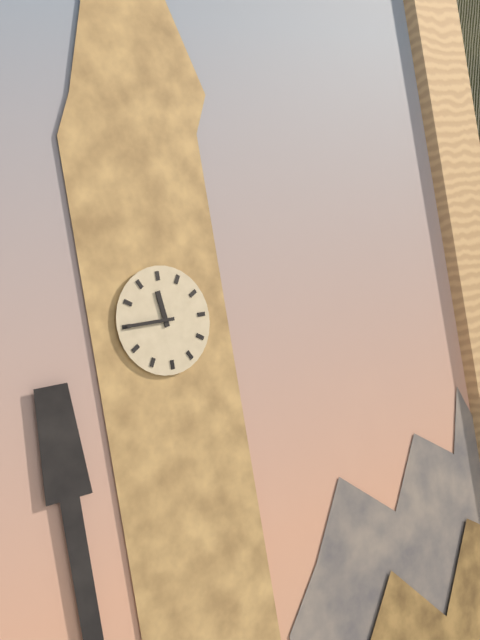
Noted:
11,45
